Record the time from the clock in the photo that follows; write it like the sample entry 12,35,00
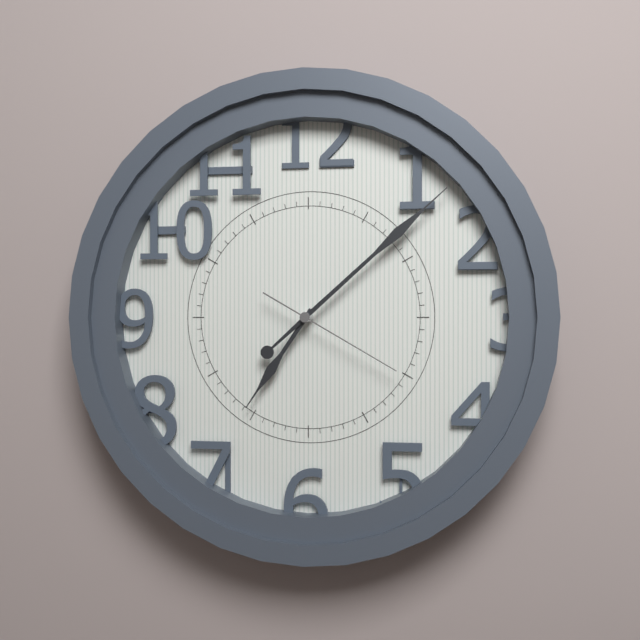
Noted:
7,08,20
